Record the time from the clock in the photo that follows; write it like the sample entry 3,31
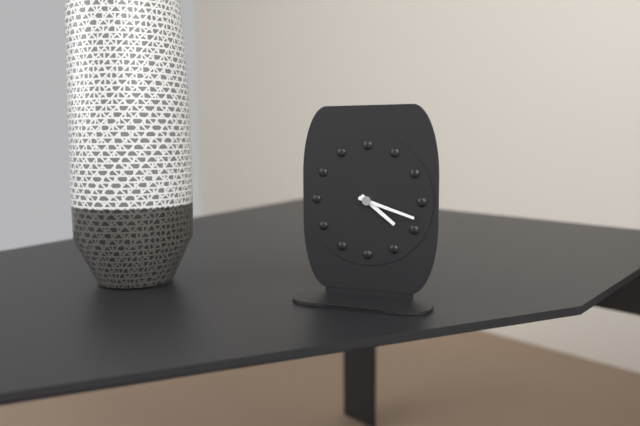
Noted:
4,18
